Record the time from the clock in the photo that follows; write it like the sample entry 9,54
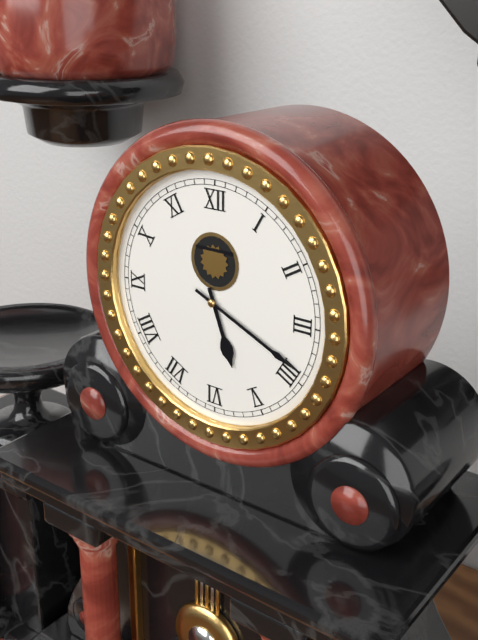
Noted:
5,19
